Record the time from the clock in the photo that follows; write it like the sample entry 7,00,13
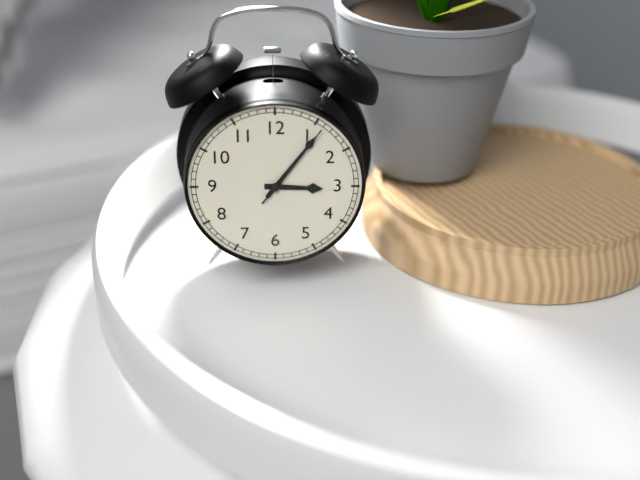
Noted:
3,06,06
